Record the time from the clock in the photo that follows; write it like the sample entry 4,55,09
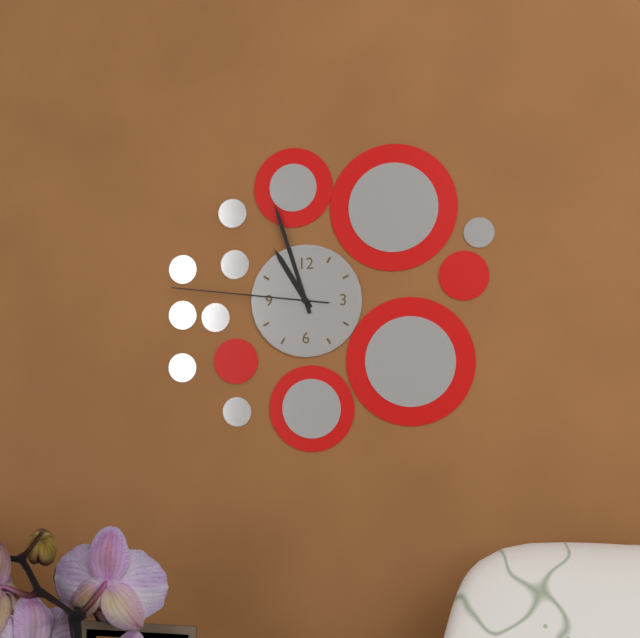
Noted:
10,57,46
